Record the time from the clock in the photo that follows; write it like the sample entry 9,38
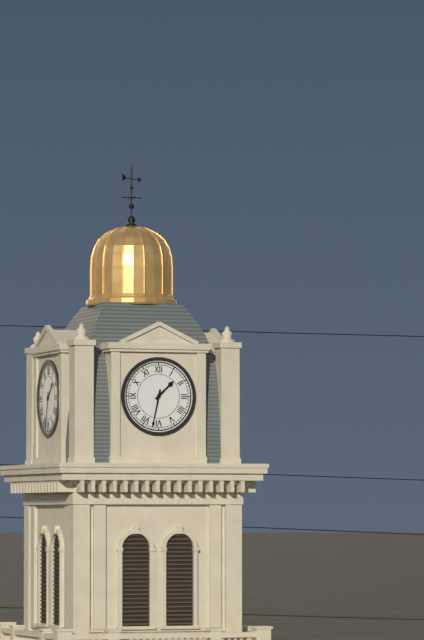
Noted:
1,32
